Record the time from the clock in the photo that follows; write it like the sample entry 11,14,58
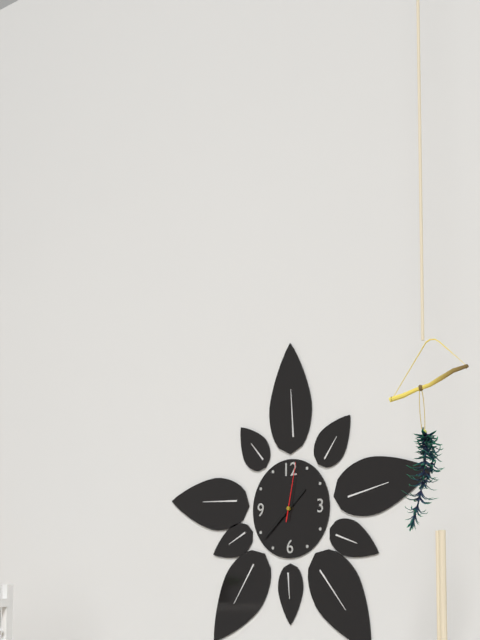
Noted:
1,38,02
